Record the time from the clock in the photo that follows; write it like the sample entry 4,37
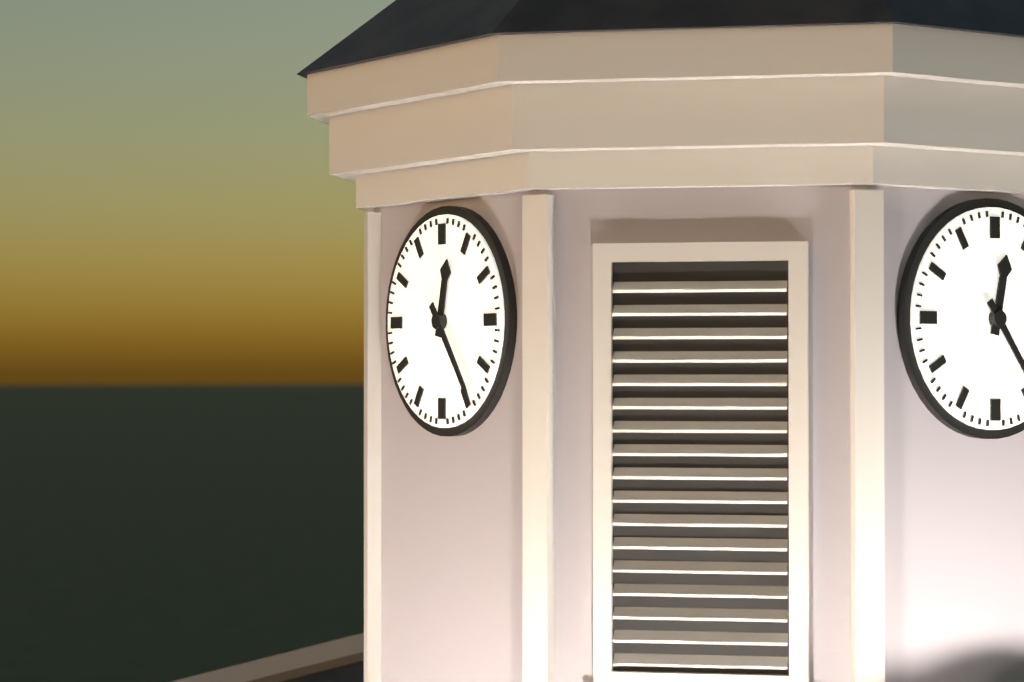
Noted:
12,24
